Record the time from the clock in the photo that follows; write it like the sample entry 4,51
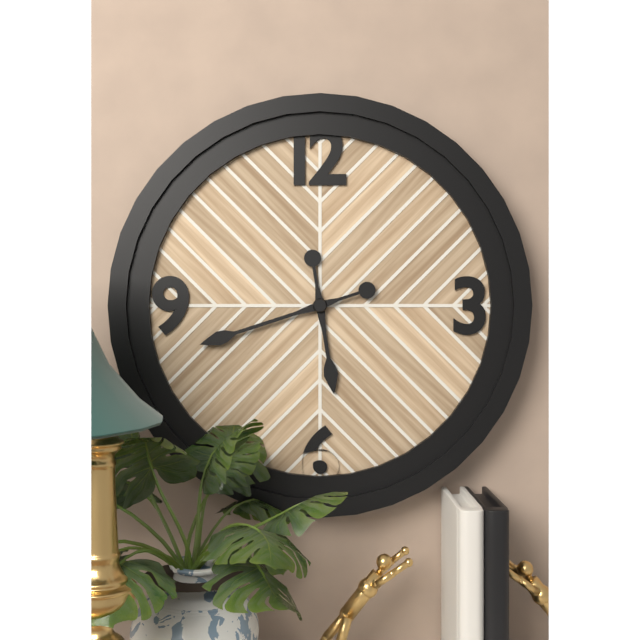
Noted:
5,42
